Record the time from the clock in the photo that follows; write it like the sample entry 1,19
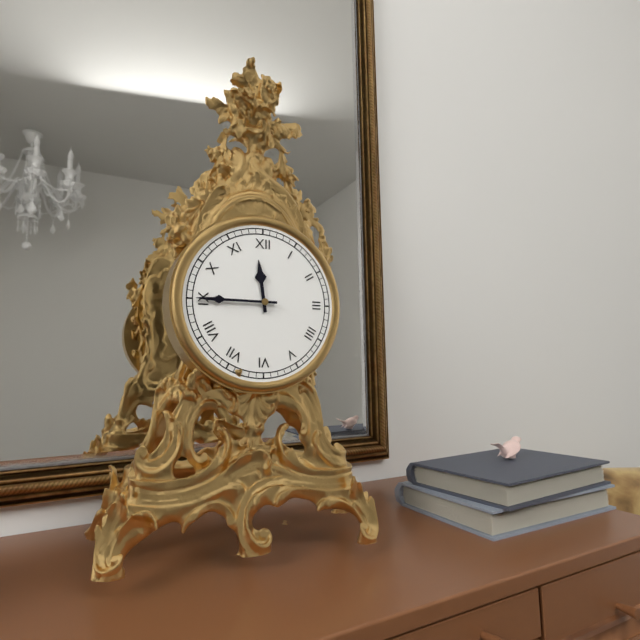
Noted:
11,45
